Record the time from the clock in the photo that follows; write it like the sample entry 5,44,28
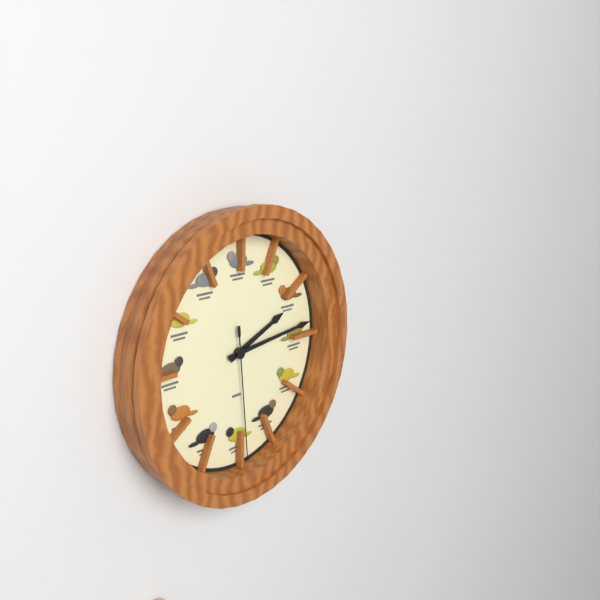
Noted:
2,14,29
